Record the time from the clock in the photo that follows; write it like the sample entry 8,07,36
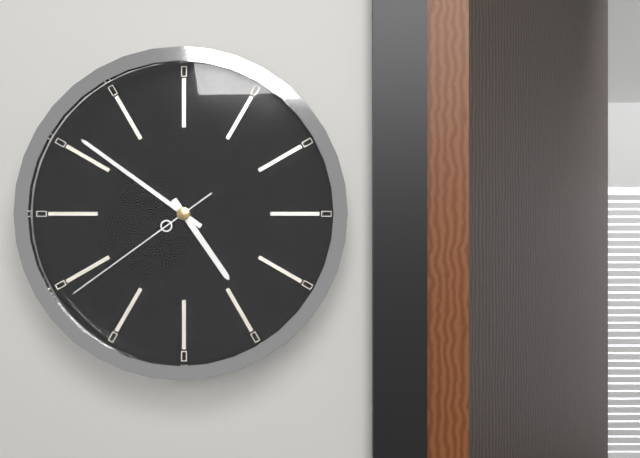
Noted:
4,51,39
